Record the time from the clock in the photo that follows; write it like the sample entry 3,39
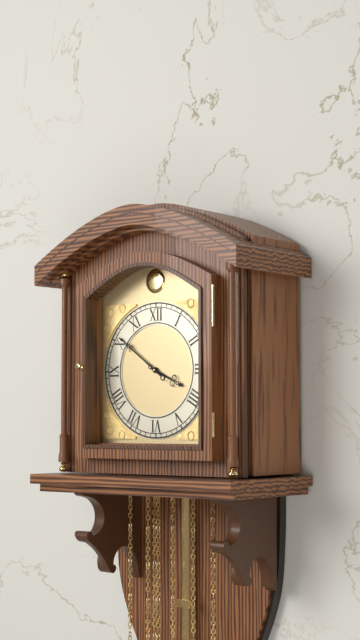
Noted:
3,51
